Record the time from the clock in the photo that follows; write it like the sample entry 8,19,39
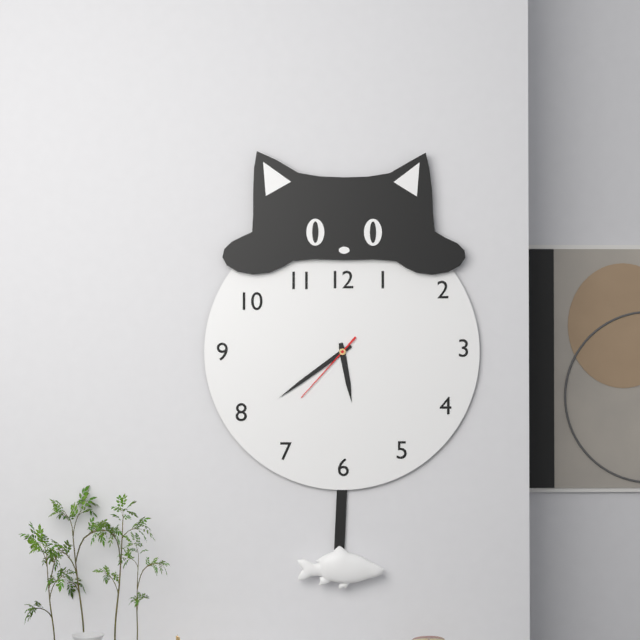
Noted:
5,39,37
